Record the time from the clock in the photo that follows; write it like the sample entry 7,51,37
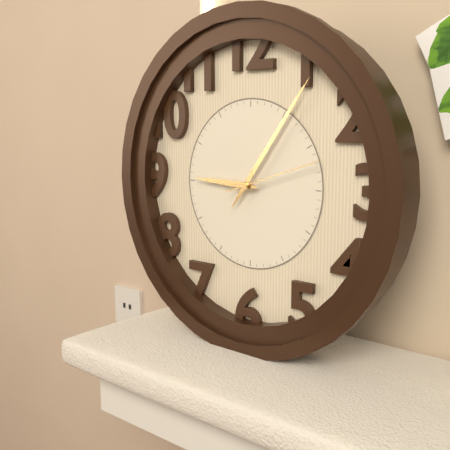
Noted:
9,06,12
